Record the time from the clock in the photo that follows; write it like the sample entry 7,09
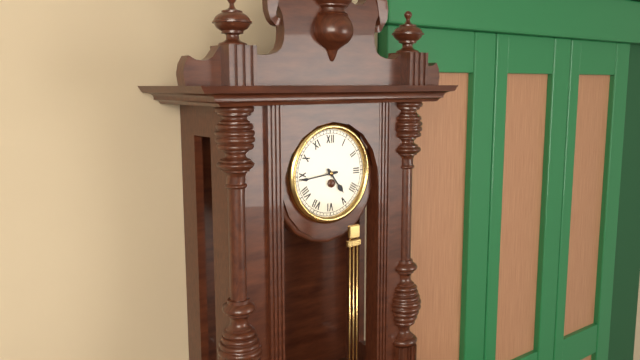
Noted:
4,44
